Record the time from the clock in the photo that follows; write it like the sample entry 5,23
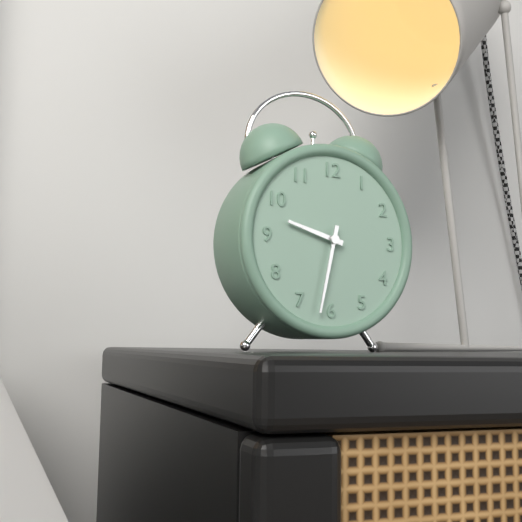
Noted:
9,32
